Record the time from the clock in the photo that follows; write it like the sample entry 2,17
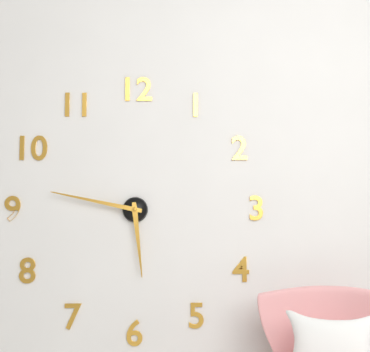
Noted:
5,47
